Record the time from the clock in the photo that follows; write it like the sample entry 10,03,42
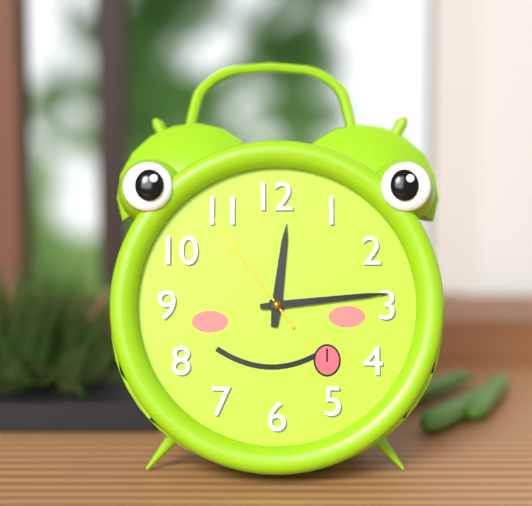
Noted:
12,14,54
